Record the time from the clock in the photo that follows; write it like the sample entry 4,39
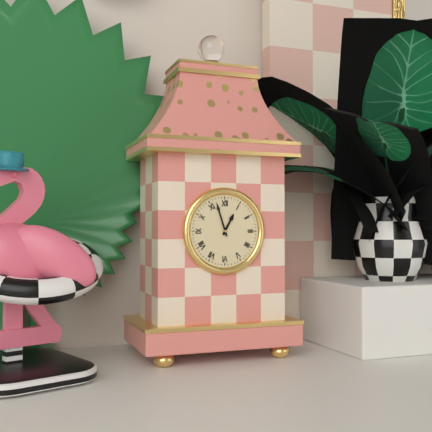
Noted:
12,57
